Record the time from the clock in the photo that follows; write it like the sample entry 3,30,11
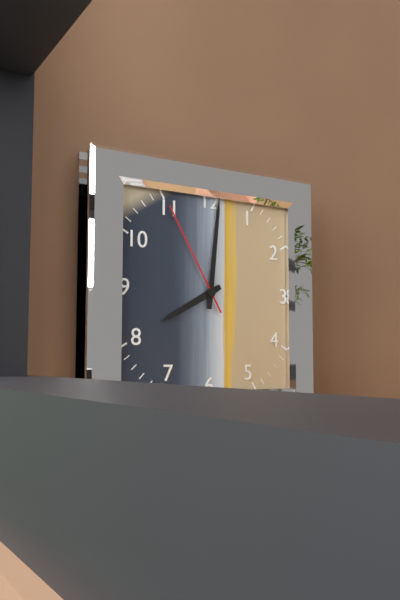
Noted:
8,01,55
